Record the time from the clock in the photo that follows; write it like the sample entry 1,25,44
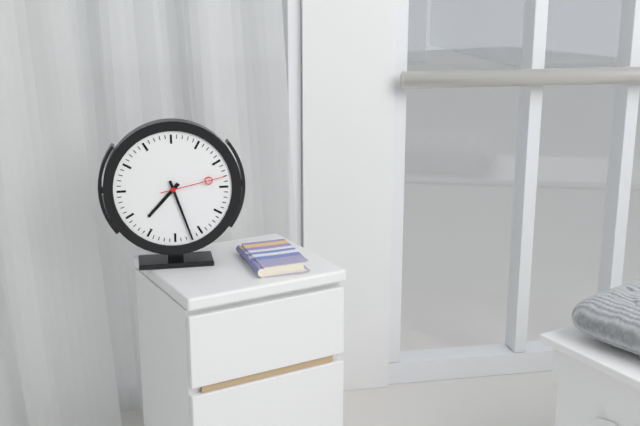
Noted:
7,27,13
